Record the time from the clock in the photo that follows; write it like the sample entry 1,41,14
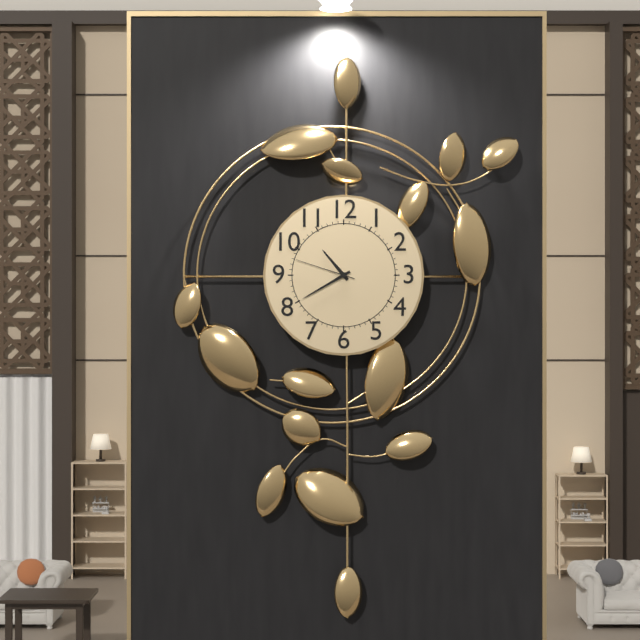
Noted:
10,40,48
